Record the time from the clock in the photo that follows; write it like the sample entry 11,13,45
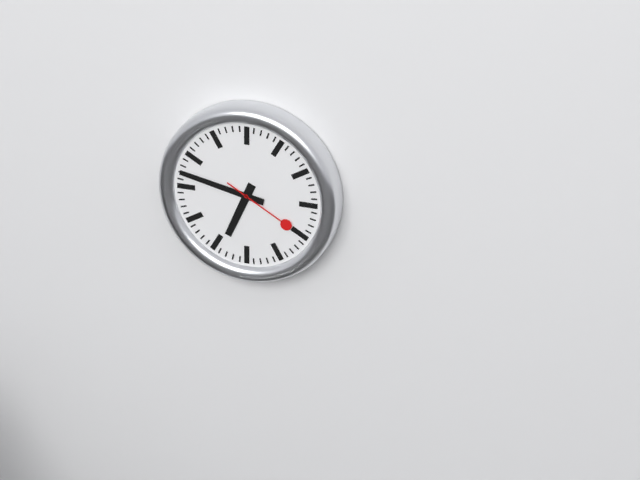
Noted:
6,47,20
